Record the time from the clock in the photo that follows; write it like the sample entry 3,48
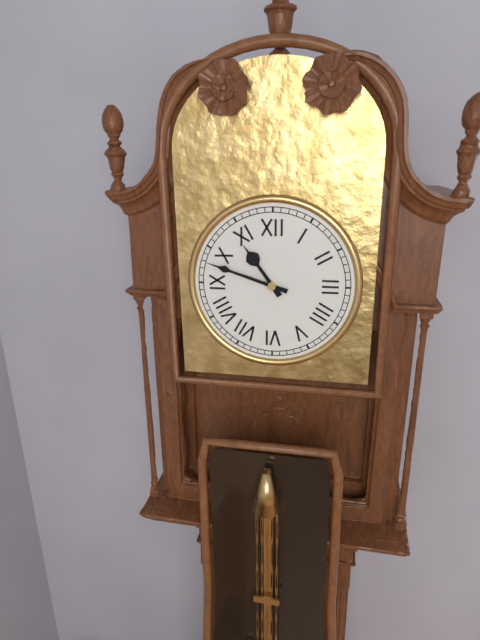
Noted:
10,48
